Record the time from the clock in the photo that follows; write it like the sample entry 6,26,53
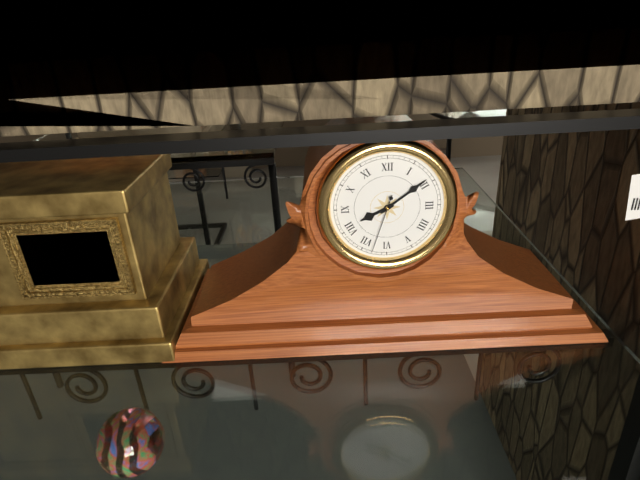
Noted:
8,09,33
